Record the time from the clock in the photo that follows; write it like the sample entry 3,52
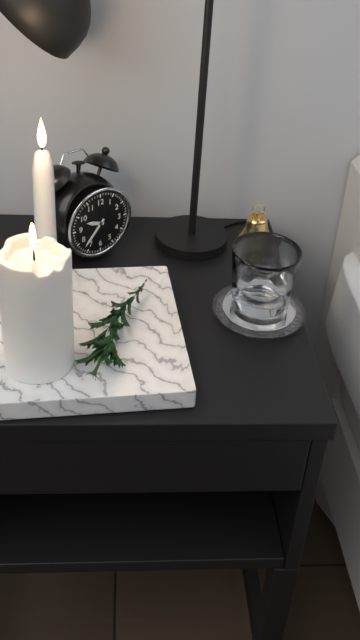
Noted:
9,37
